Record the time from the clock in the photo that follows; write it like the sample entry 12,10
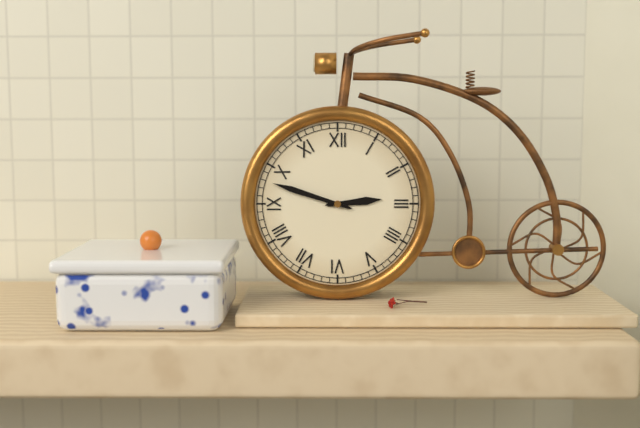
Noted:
2,48
